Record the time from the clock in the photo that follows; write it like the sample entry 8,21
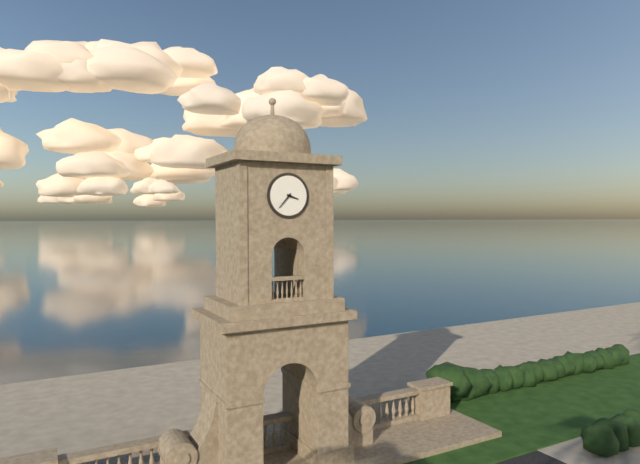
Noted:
3,37
